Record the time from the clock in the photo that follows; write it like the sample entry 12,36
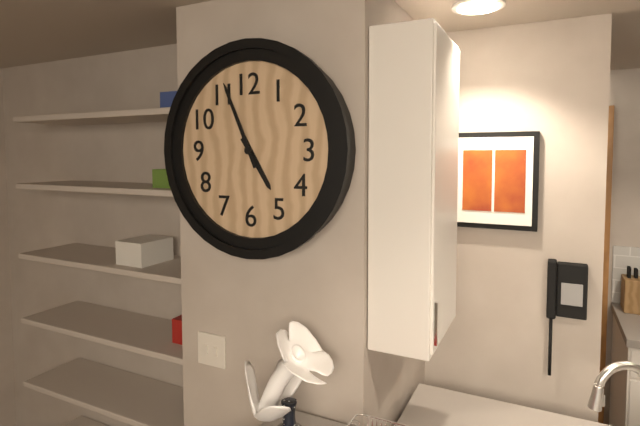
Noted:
4,56
